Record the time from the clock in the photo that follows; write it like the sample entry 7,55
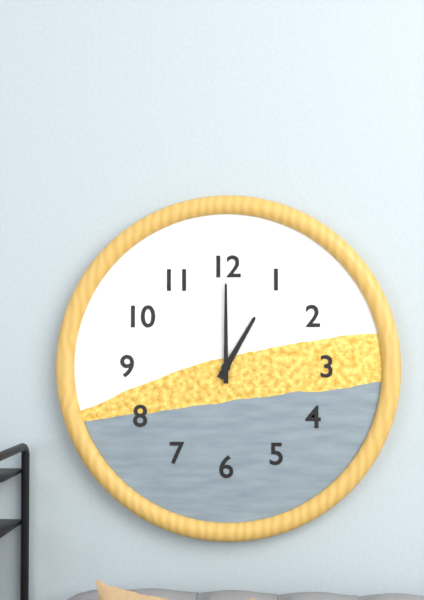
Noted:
1,00
